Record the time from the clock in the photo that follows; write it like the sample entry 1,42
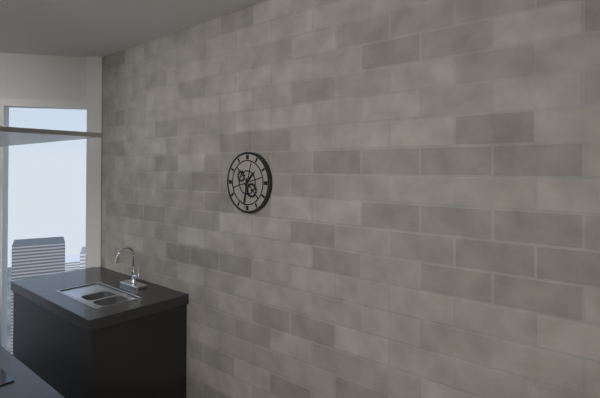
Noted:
1,31
